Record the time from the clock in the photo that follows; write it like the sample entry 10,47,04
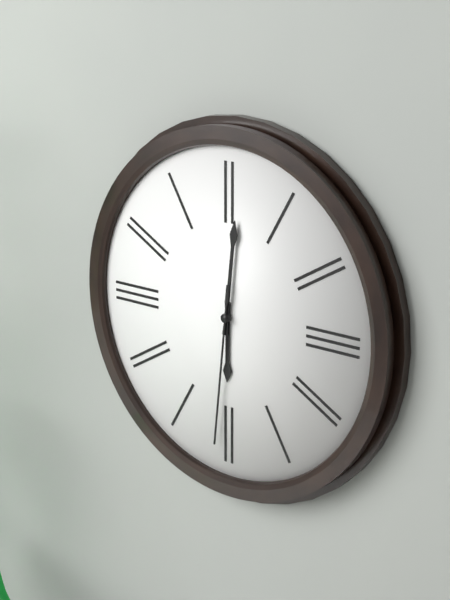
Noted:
6,01,31
